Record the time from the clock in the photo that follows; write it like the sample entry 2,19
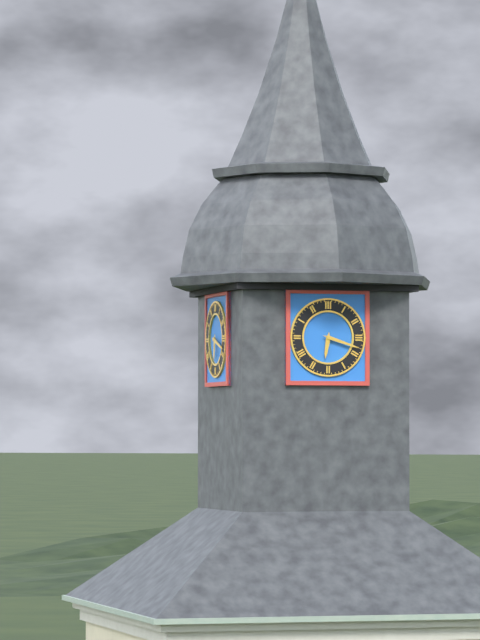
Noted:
6,18
